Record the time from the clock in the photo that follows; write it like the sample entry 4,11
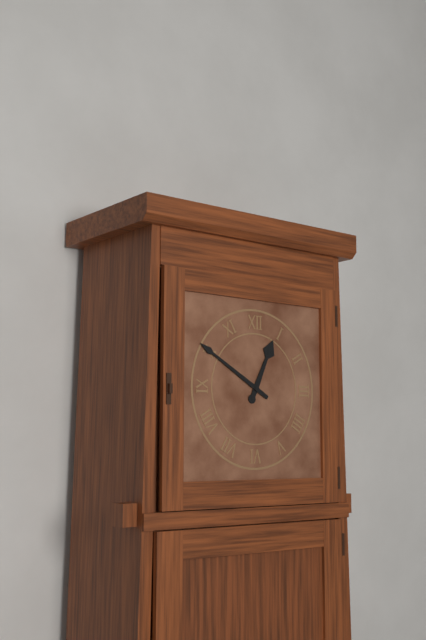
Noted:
12,50
